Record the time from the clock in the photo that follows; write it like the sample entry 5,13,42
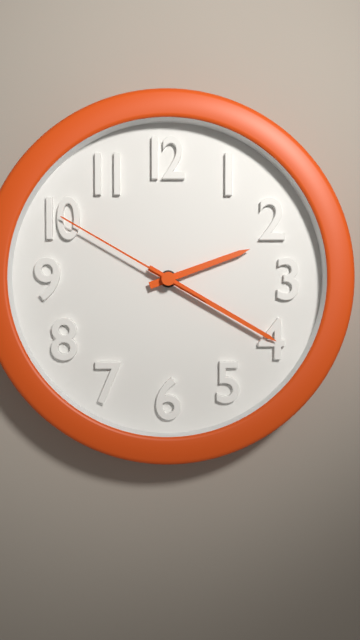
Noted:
2,20,50
